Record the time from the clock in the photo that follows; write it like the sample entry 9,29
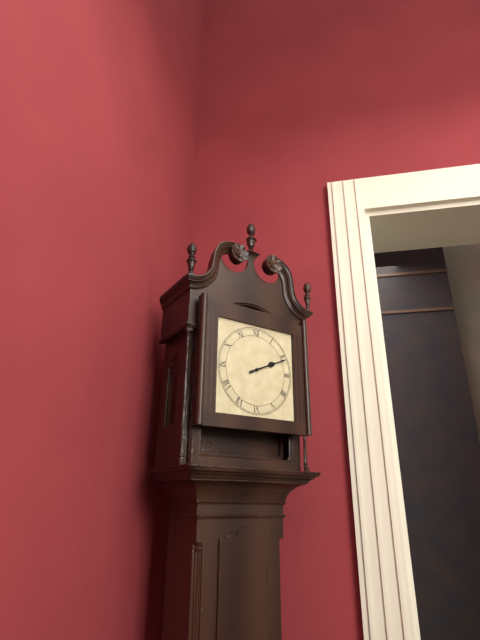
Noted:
2,11
